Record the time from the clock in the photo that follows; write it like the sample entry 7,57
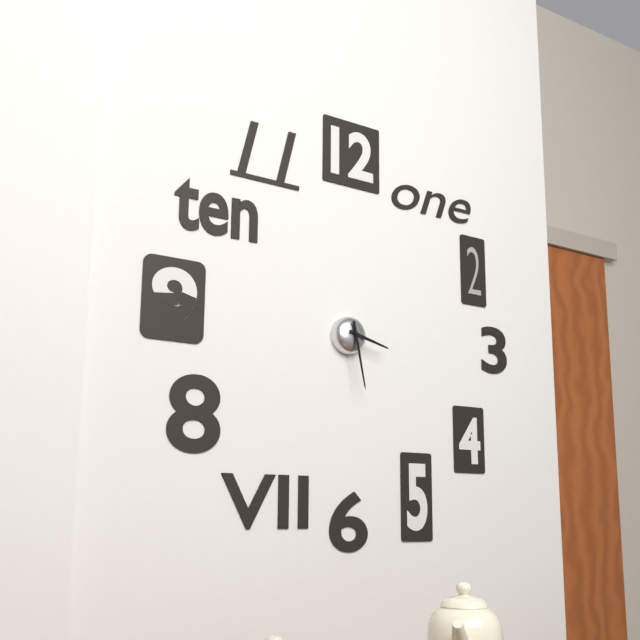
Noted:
3,28
